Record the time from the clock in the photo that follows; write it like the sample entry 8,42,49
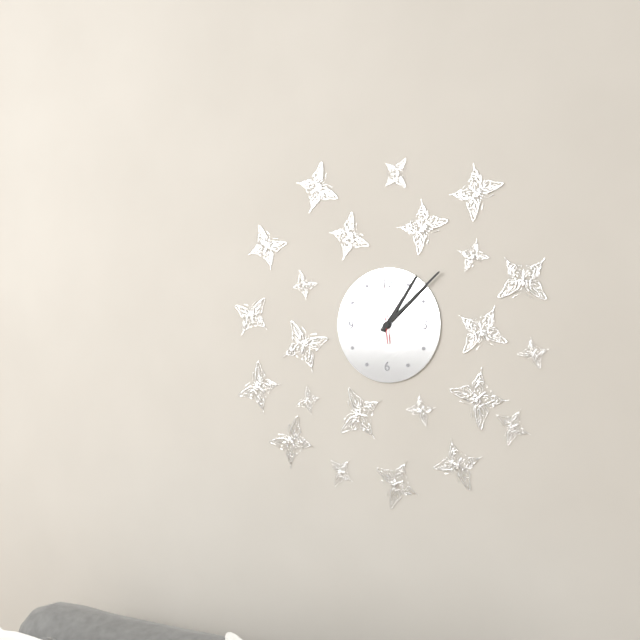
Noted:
1,08,59
